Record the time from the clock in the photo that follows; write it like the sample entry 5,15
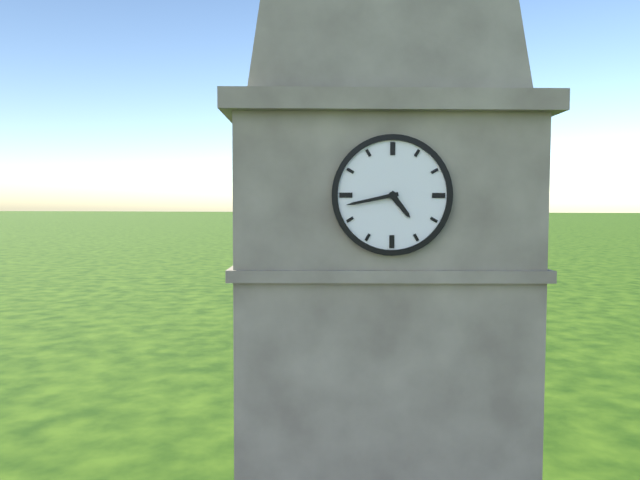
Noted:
4,43
